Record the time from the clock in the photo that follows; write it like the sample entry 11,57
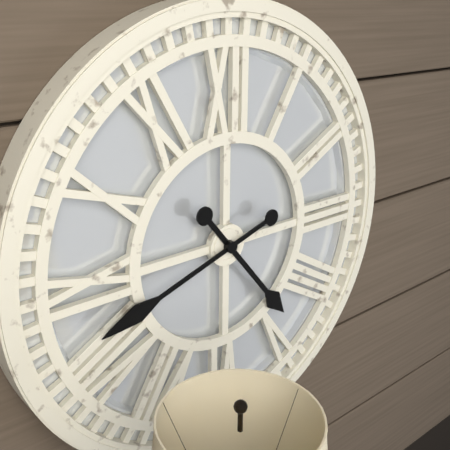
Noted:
4,42
